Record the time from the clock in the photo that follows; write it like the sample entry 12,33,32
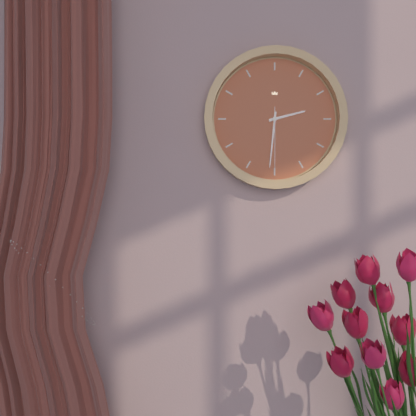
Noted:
2,31,30
